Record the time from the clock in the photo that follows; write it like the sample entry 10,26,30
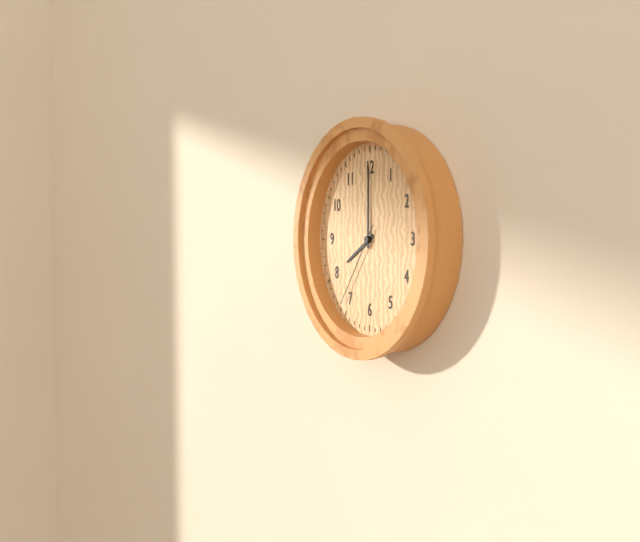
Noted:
8,00,36
